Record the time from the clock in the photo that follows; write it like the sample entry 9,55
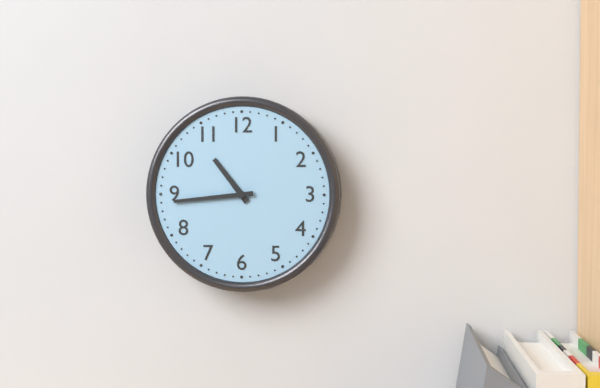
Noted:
10,44
